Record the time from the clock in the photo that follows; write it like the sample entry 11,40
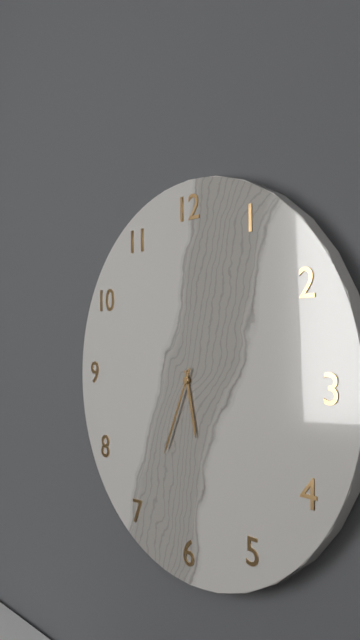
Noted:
5,34
